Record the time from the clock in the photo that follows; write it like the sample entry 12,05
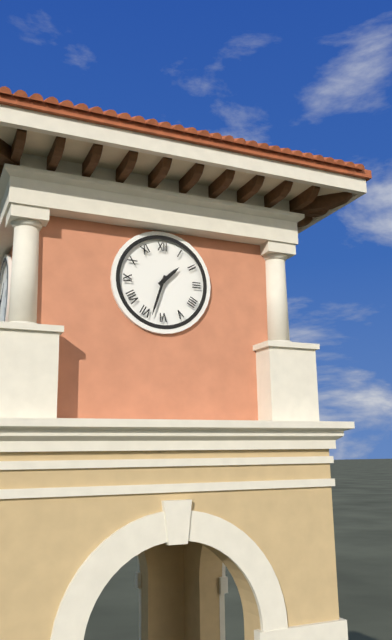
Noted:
1,33
